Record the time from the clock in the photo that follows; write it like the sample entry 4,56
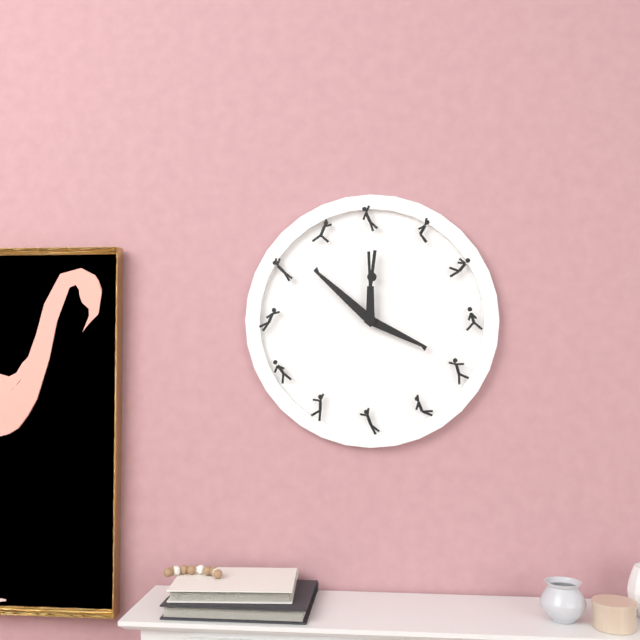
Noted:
3,52
